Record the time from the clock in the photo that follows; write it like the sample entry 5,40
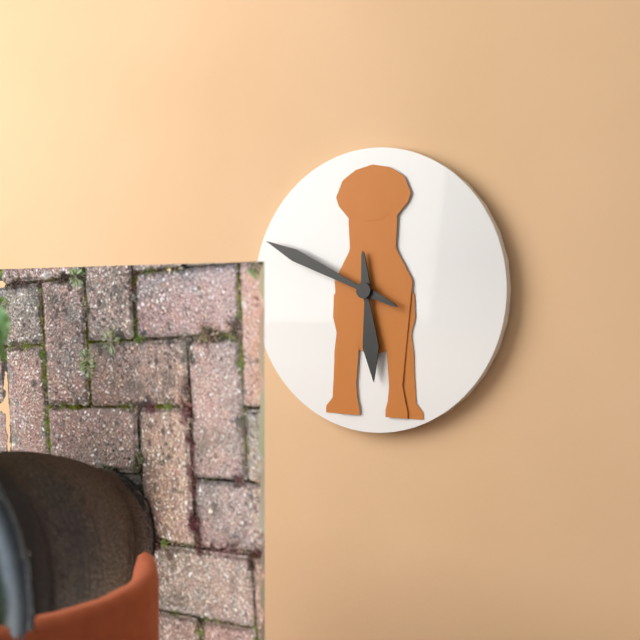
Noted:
5,49
